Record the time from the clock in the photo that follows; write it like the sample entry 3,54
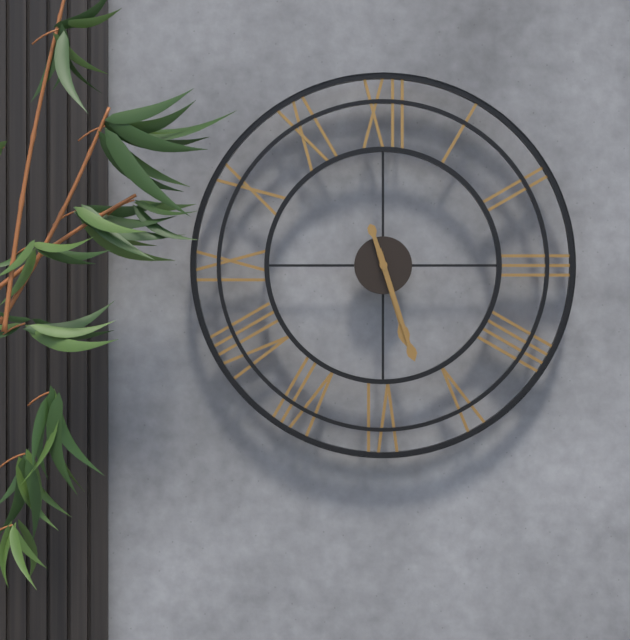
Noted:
5,27
